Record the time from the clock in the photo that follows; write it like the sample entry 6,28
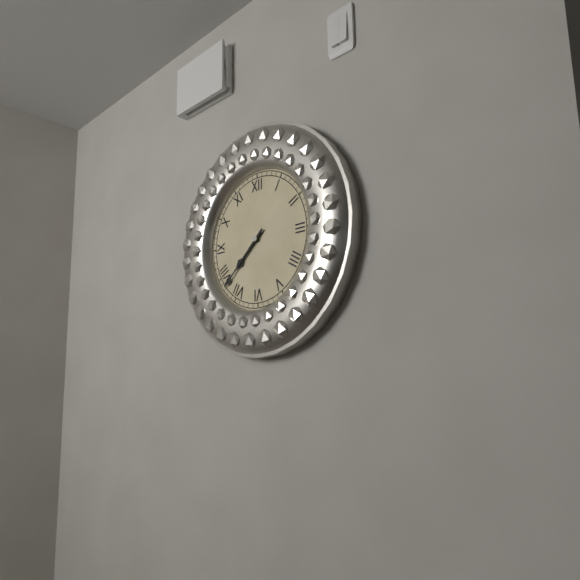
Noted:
7,38
